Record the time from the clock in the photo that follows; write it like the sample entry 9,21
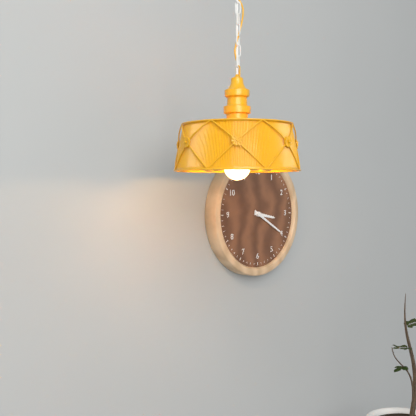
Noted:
3,20
